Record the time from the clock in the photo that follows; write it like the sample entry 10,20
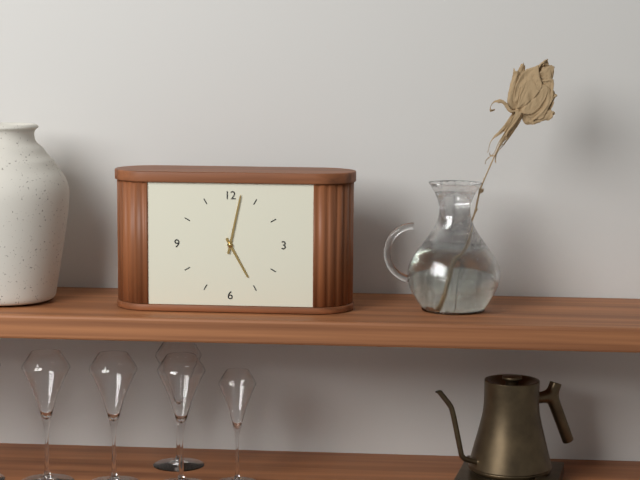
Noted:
5,02
